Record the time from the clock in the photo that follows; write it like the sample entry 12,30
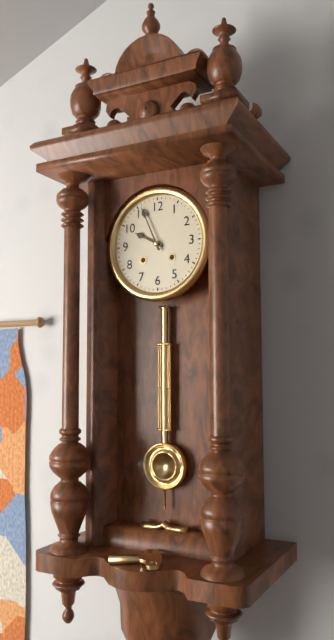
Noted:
9,56
